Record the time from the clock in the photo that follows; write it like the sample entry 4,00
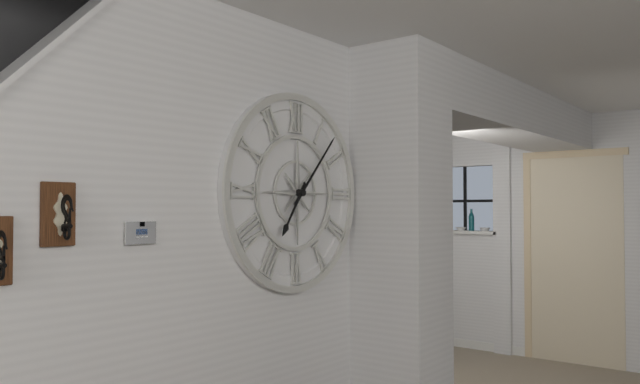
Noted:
7,07
